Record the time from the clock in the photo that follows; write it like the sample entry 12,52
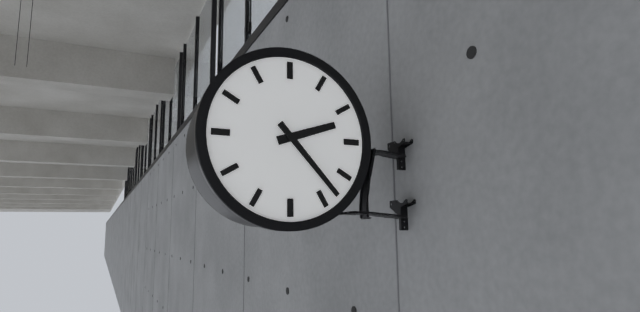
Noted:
2,23
